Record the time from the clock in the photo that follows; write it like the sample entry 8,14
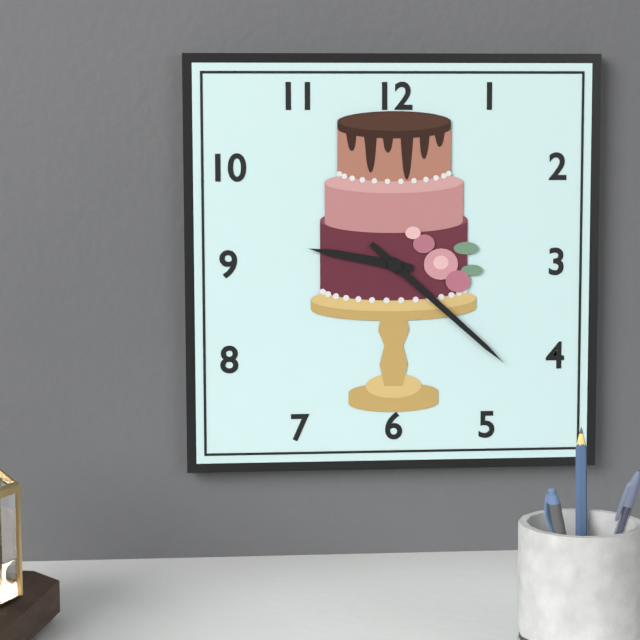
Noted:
9,22
